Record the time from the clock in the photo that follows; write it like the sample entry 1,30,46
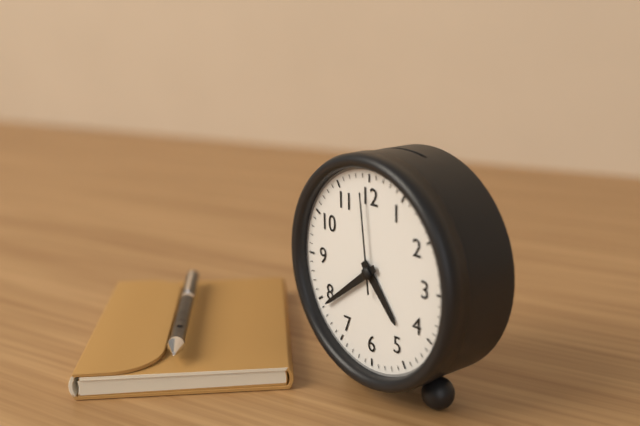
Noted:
4,39,59
